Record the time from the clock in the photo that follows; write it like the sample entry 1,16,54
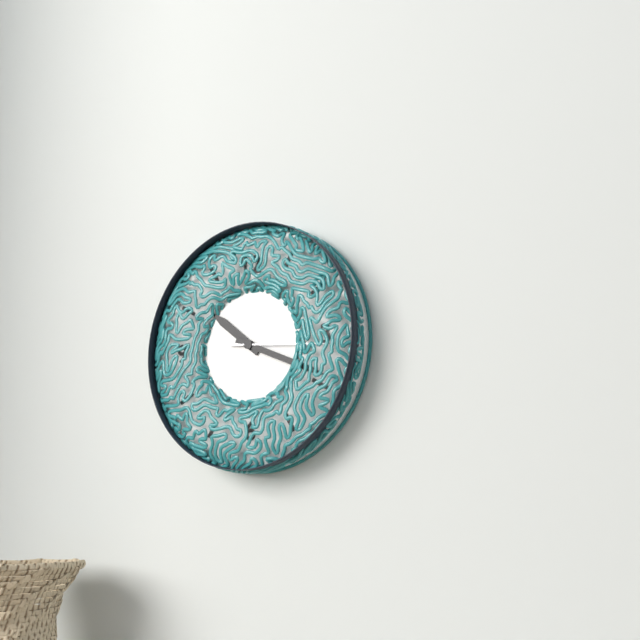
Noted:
10,19,16
